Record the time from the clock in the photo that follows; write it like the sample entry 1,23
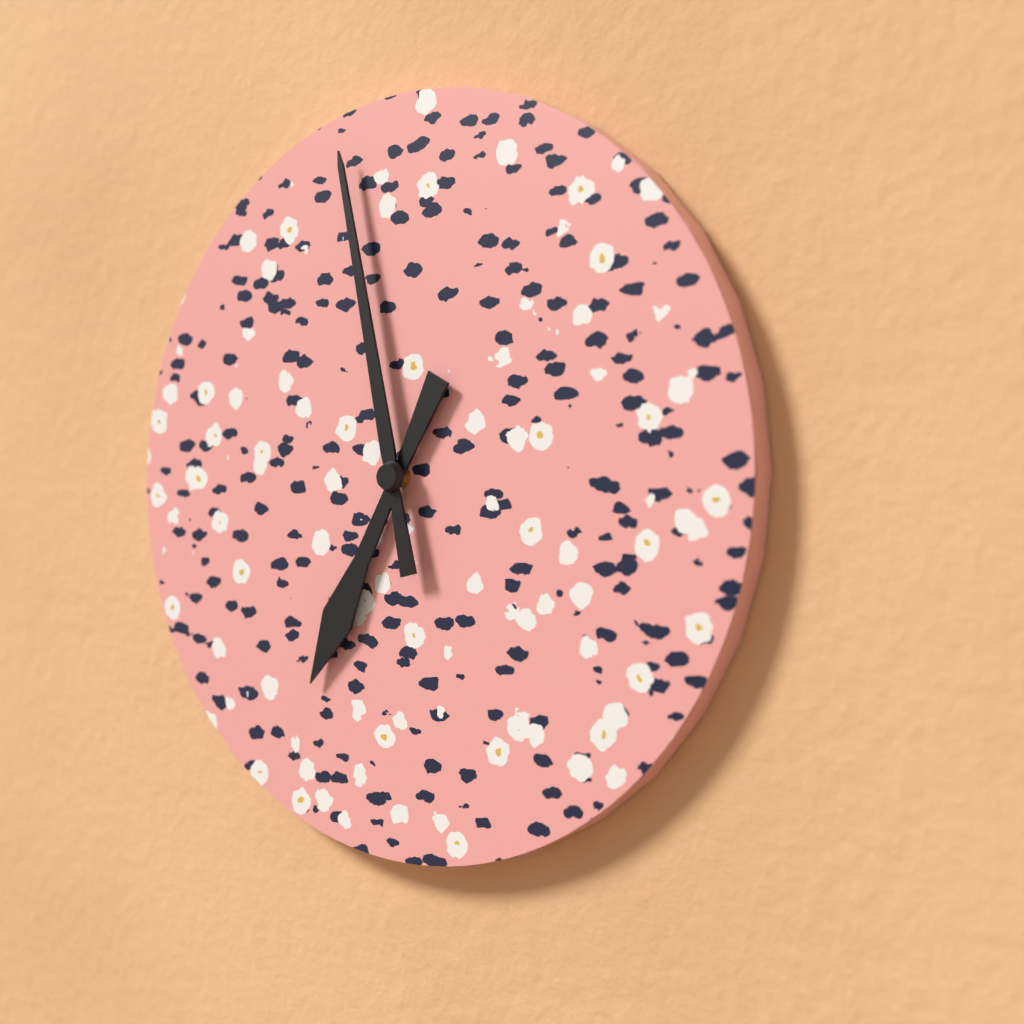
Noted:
6,58
